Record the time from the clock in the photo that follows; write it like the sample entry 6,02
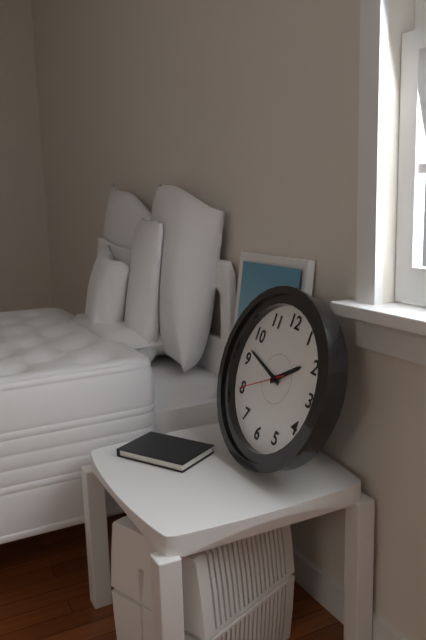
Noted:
1,47
